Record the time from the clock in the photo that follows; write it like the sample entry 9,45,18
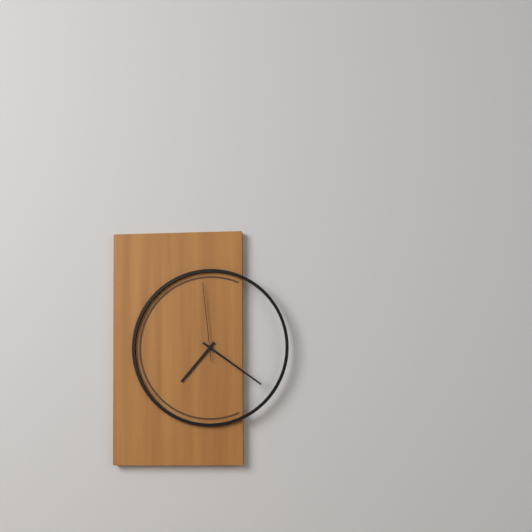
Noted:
7,21,59
